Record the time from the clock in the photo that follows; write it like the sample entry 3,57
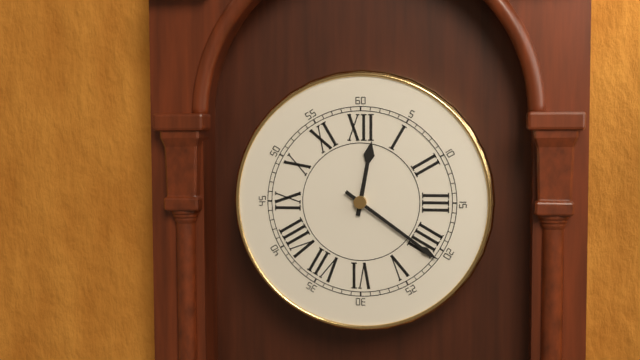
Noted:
12,21
